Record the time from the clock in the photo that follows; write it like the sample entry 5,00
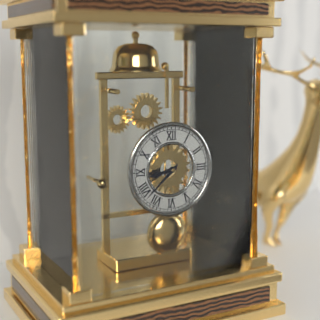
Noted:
8,38
